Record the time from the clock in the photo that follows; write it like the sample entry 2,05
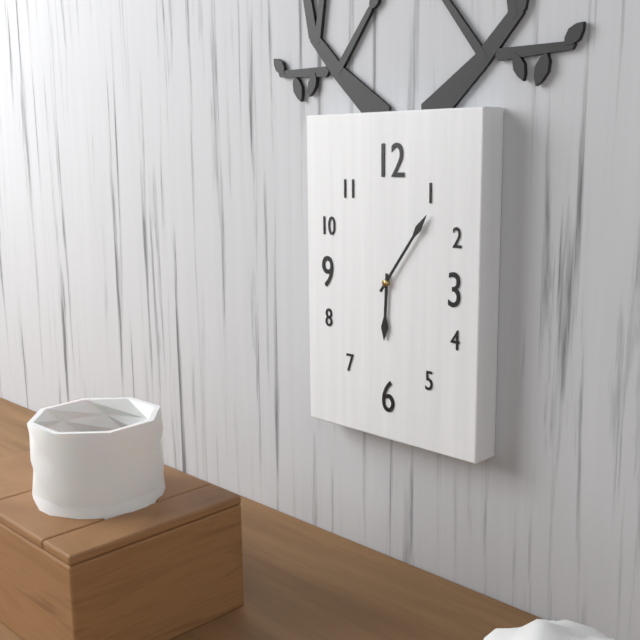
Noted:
6,06
